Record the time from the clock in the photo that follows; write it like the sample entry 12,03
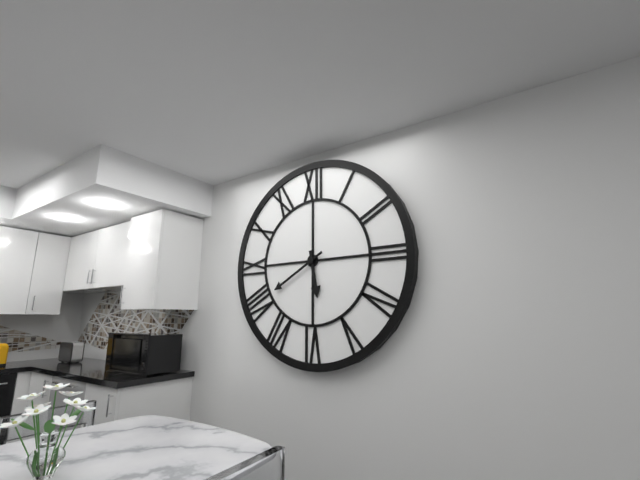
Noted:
5,40
